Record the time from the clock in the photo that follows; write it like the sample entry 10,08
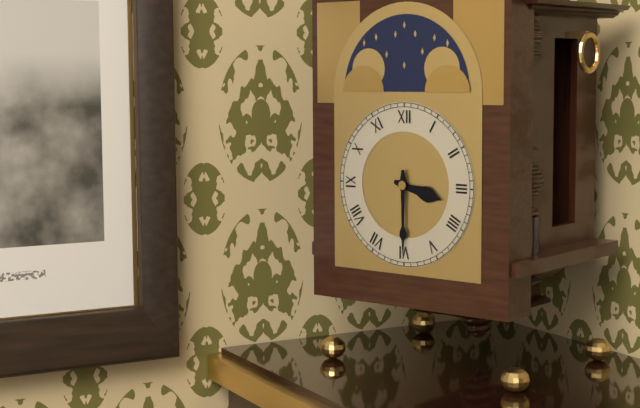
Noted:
3,30
